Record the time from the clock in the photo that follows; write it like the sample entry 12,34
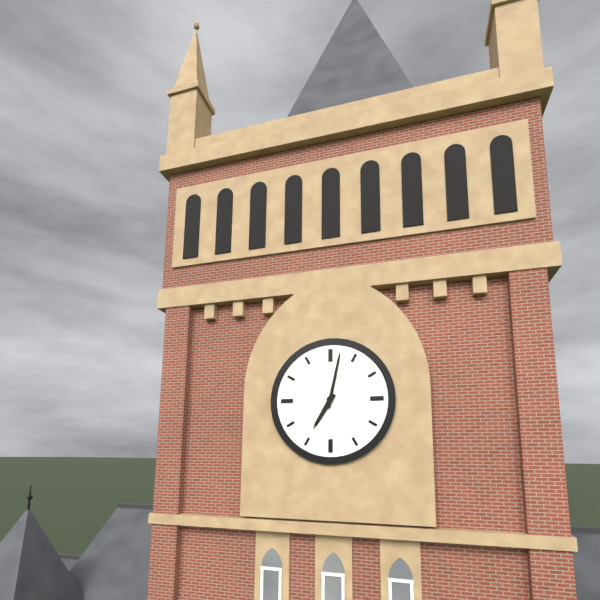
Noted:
7,02
